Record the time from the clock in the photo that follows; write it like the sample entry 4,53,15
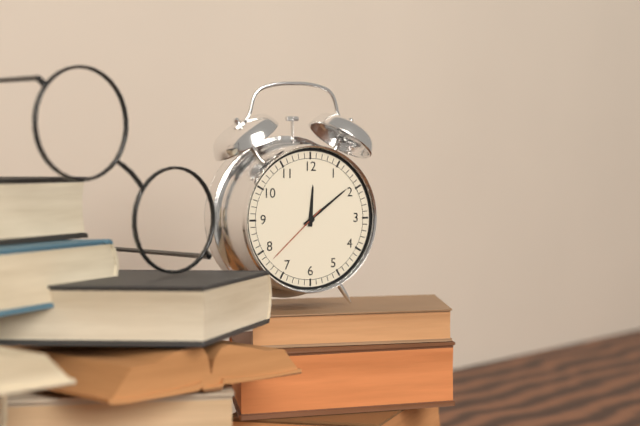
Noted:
12,09,38
